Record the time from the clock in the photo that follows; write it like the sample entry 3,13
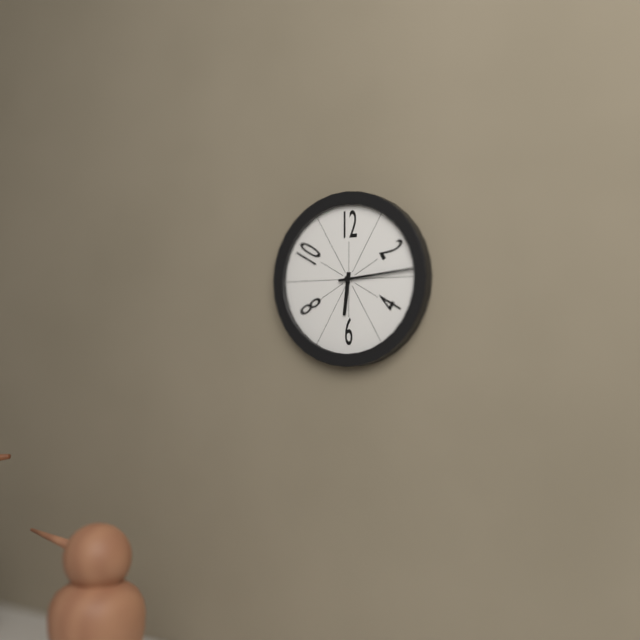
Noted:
6,14
